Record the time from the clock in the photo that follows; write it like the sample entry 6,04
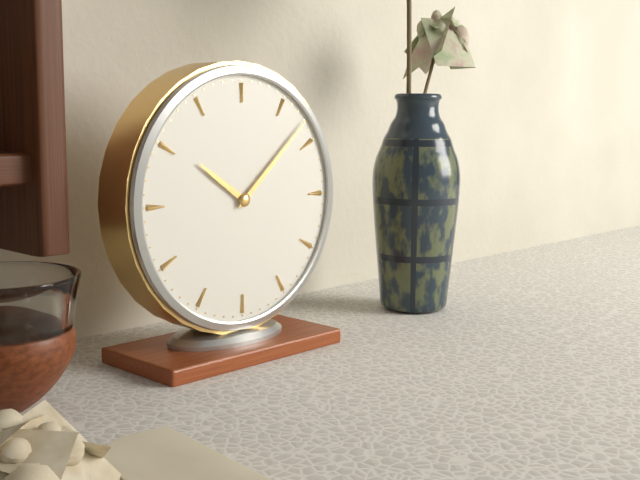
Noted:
10,08
